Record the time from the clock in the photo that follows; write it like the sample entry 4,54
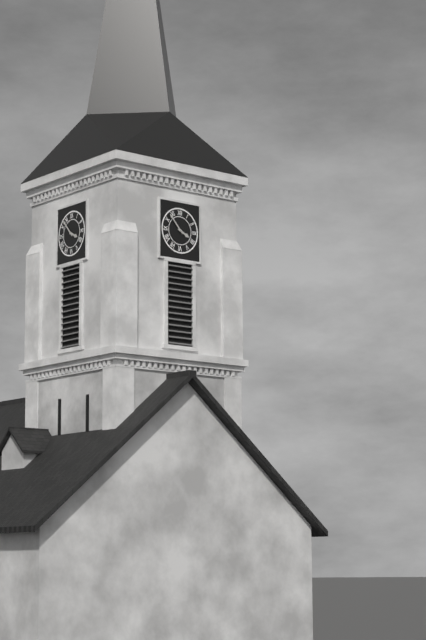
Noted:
3,53
